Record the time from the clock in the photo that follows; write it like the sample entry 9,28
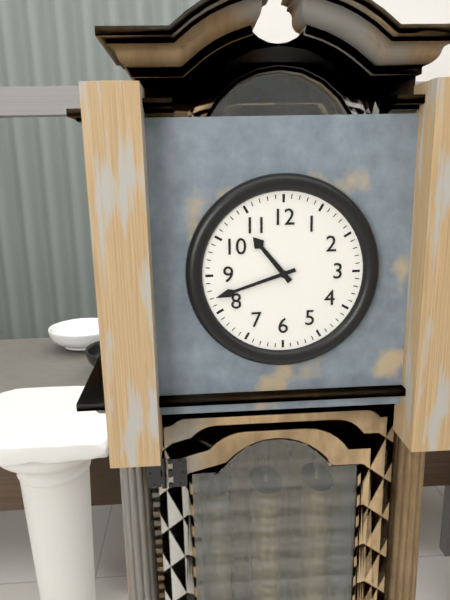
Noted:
10,42
